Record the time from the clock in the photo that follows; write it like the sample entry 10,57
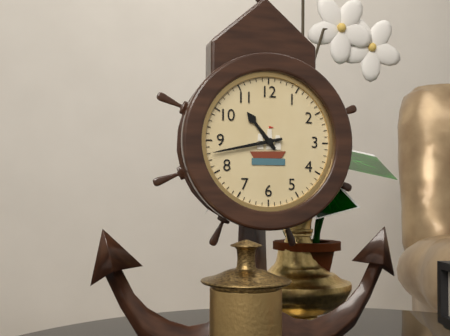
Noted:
10,43
